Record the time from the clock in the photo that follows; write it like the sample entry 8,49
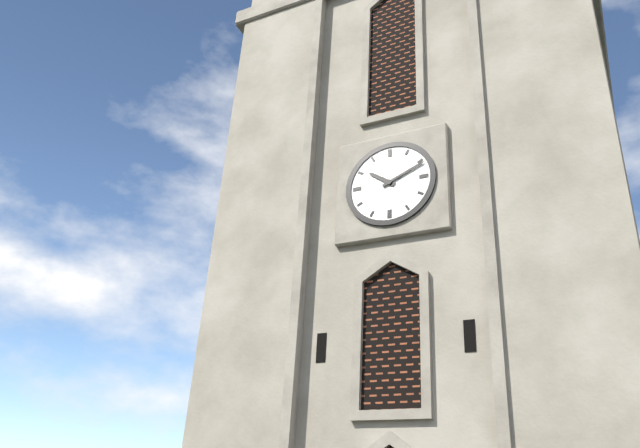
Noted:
10,11
